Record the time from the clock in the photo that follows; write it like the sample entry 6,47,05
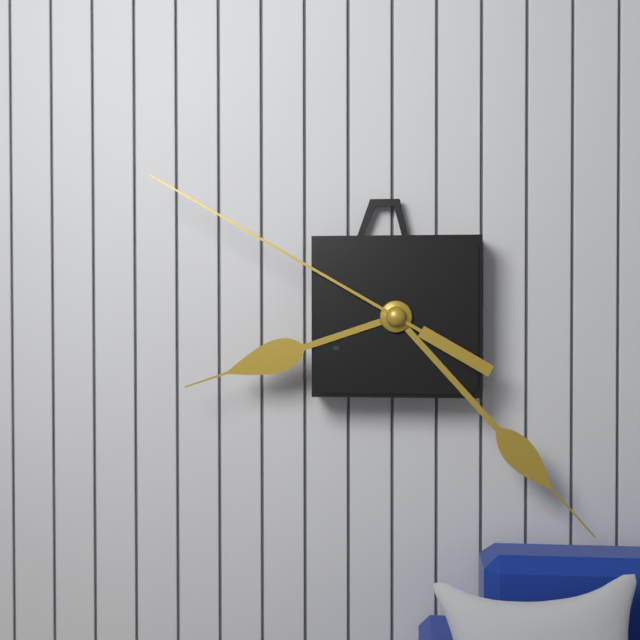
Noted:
8,23,50
